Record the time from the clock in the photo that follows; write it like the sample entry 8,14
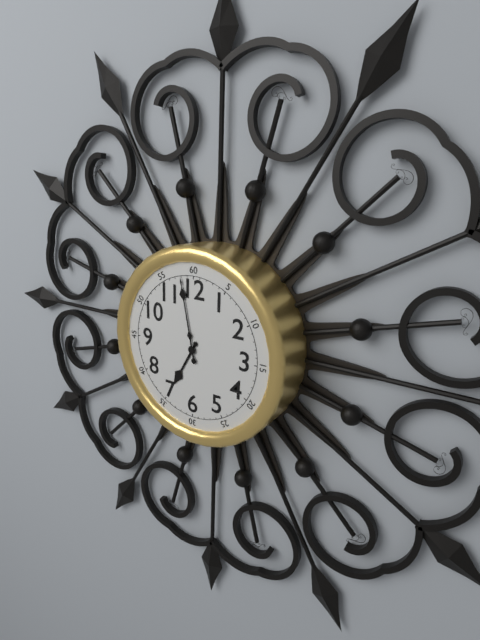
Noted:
6,58
